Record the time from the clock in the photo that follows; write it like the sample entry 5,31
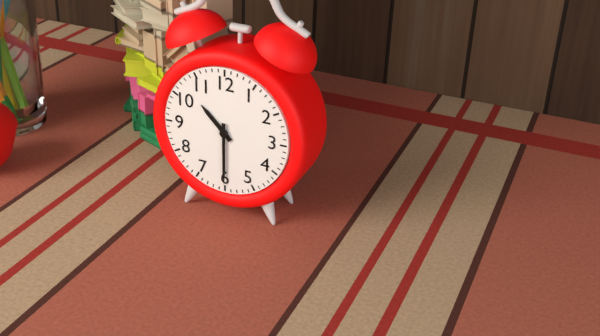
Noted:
10,30
